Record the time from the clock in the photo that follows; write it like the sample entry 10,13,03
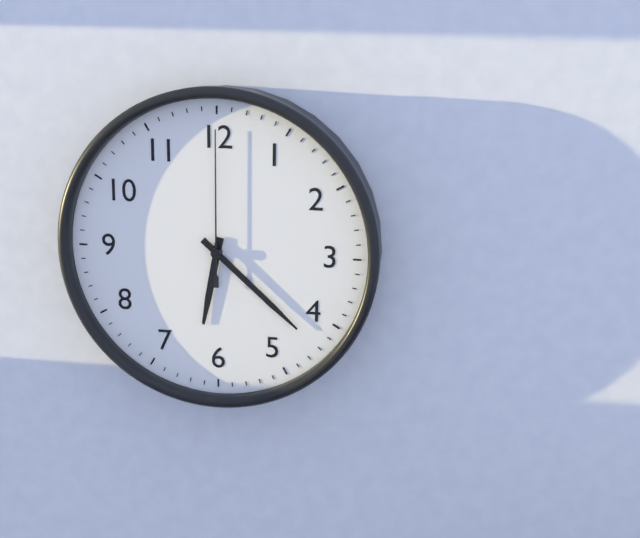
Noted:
6,22,00
